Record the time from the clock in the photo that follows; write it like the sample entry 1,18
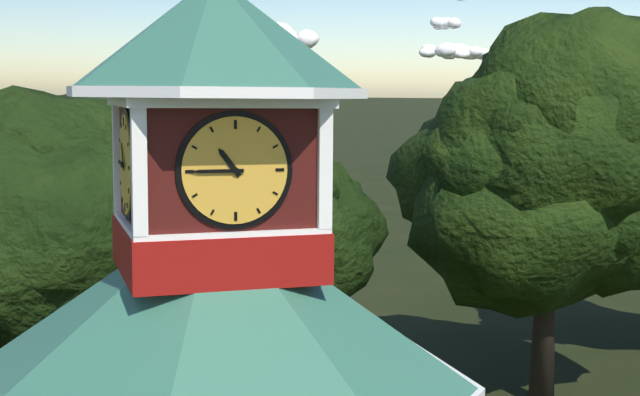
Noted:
10,45
